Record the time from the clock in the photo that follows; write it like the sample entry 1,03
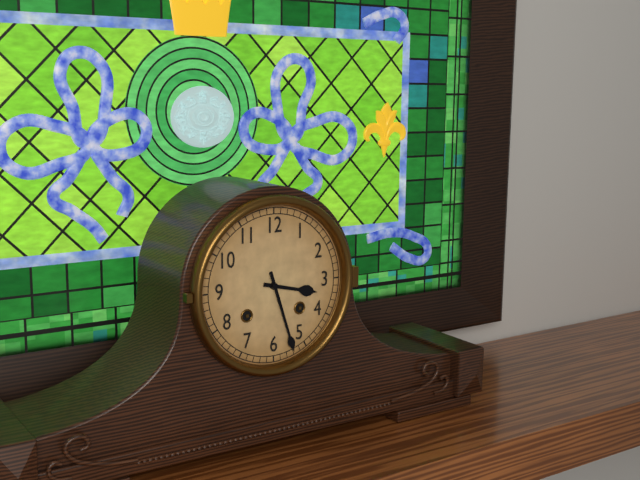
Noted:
3,27
